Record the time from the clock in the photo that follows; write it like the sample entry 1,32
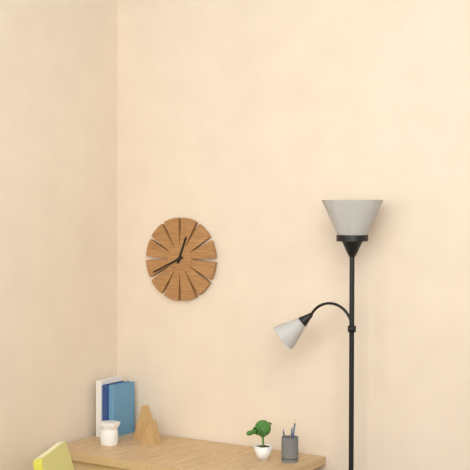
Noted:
12,41
